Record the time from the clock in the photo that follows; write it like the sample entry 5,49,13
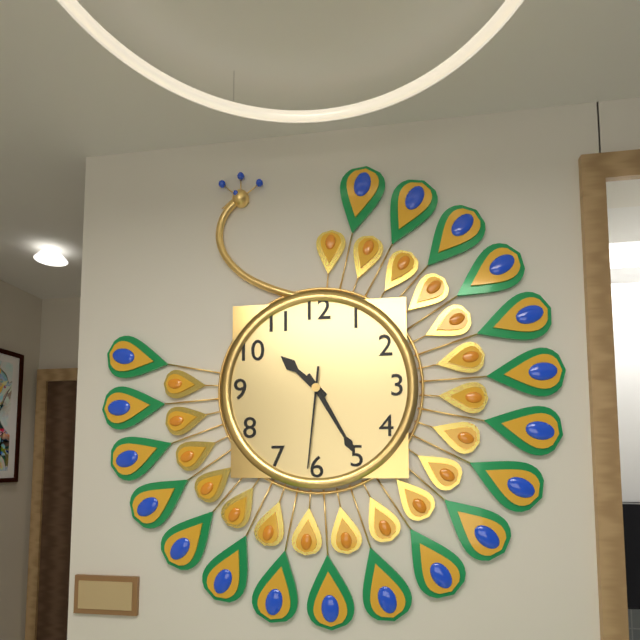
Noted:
10,25,31
